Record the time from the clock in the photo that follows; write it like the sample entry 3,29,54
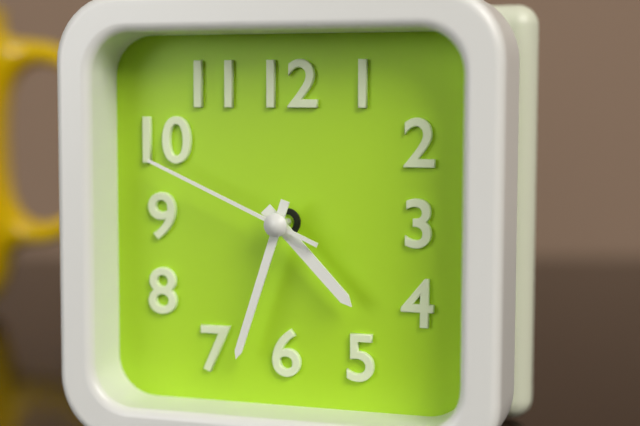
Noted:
4,33,49
